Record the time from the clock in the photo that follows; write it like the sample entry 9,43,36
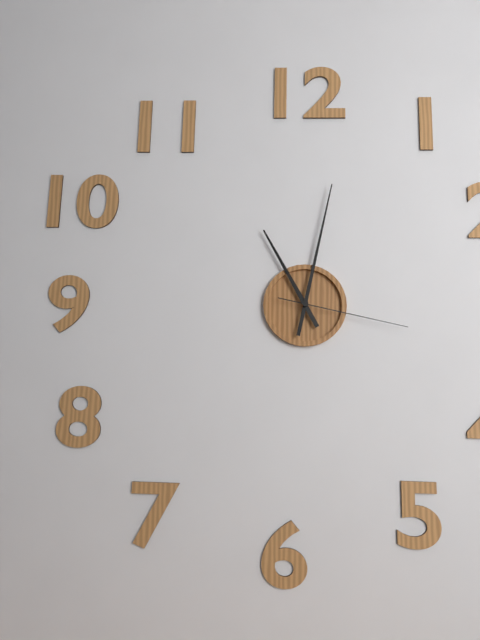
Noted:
11,02,17
